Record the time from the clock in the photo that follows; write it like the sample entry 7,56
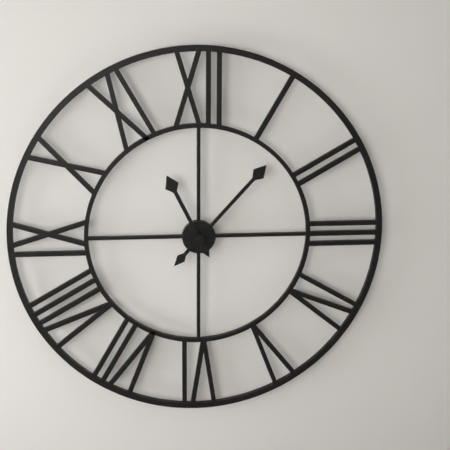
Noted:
11,07
